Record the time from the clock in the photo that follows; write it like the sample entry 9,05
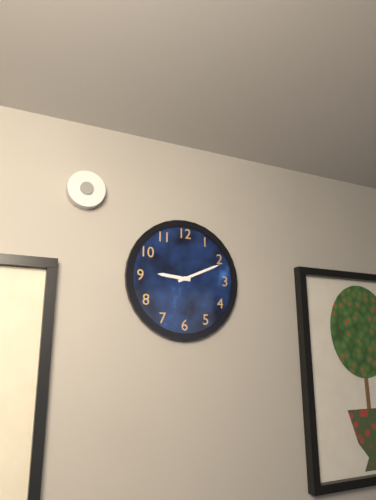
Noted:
9,11
